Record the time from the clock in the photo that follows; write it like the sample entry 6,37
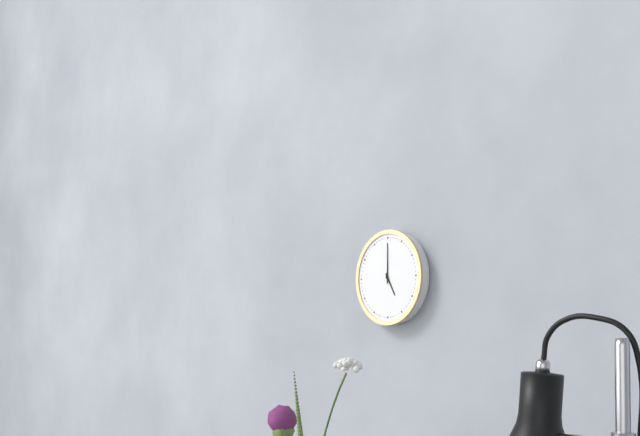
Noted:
5,00
